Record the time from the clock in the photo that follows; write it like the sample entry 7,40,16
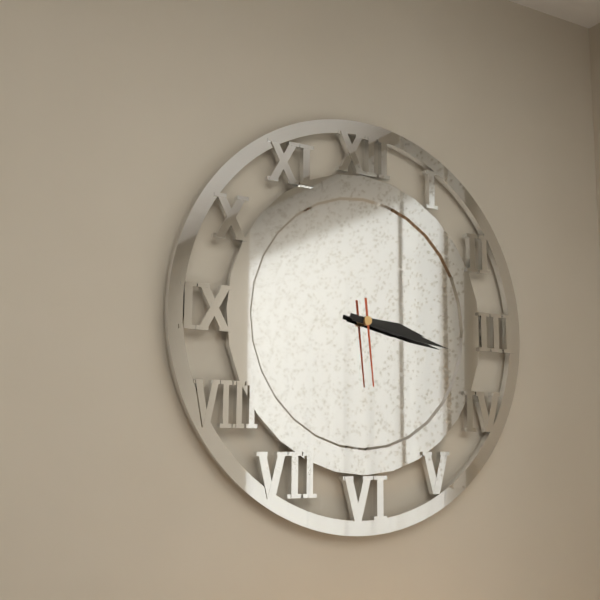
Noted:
3,17,29
